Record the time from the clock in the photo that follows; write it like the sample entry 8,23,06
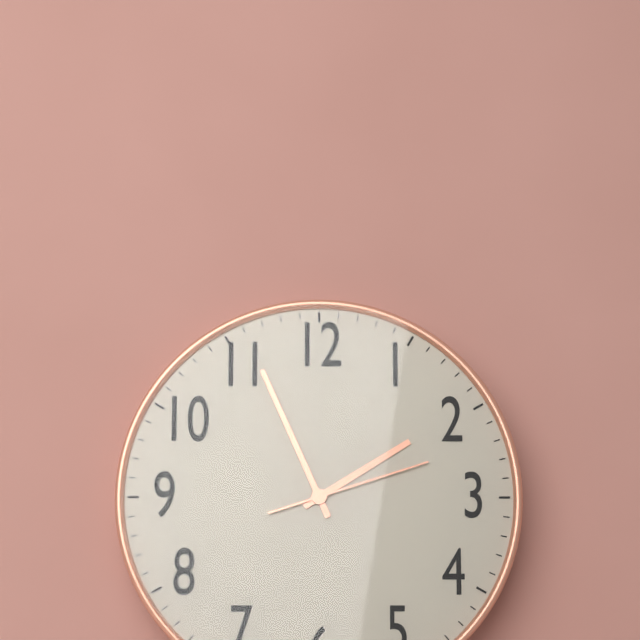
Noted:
1,56,12
